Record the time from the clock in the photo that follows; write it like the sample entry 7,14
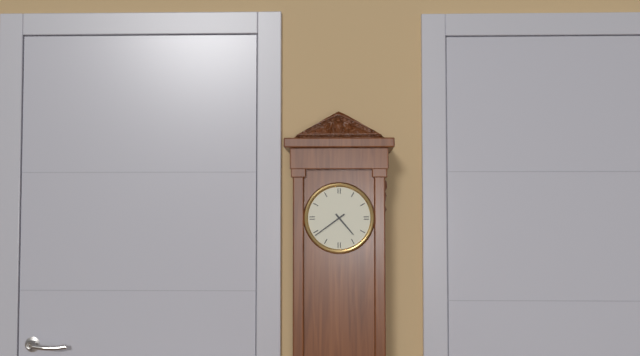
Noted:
4,39
